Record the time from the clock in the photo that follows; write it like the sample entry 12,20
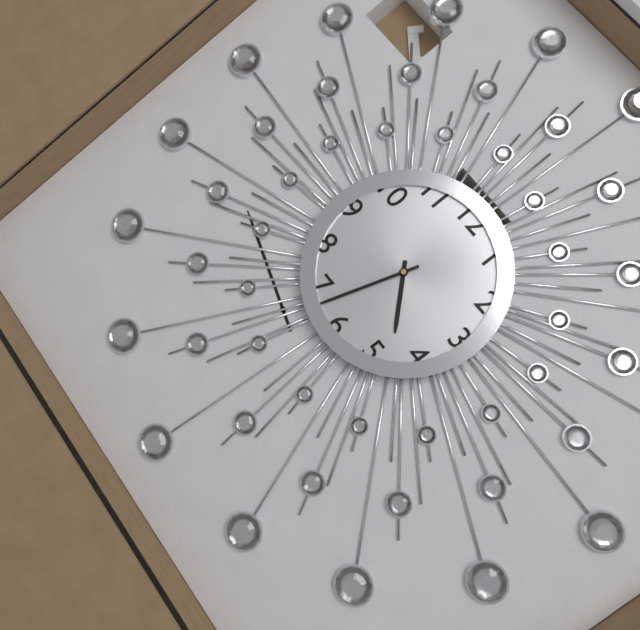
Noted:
4,33
